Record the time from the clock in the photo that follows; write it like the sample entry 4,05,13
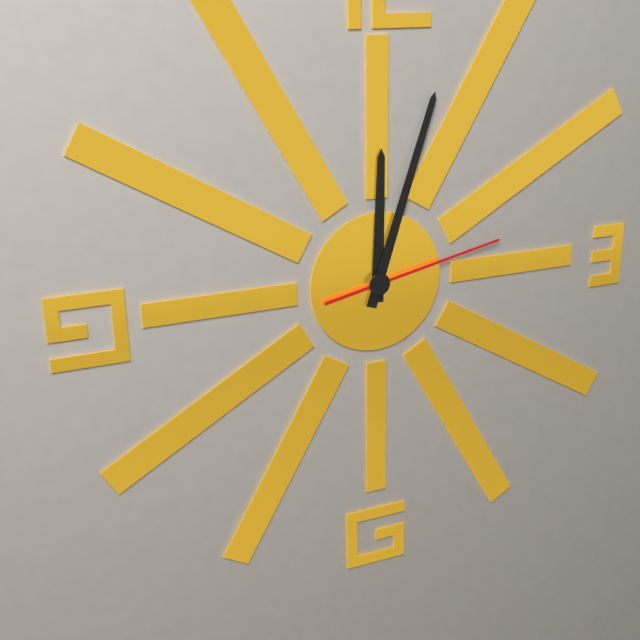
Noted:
12,03,13
